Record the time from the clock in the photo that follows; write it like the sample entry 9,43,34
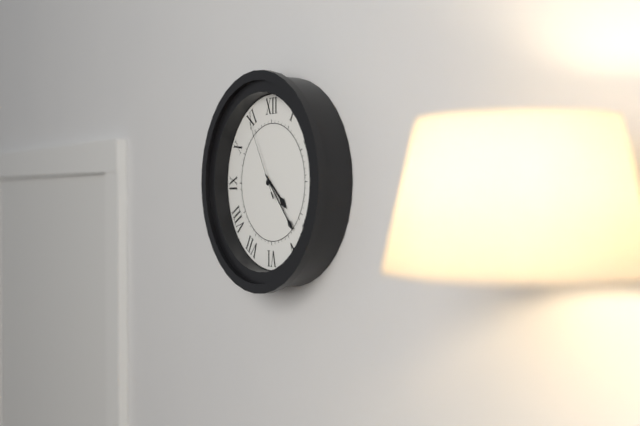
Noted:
4,23,55
